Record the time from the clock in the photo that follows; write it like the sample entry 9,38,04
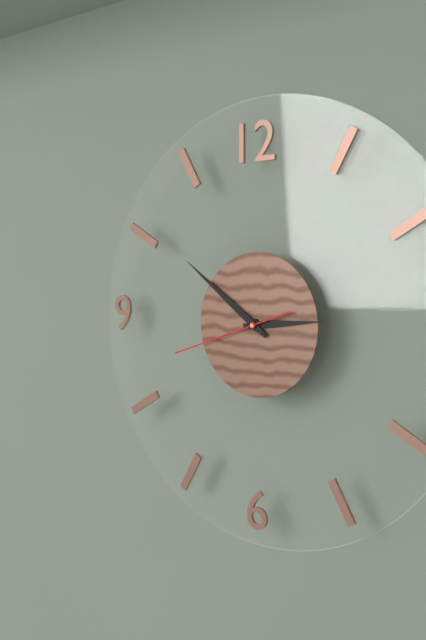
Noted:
2,51,42
